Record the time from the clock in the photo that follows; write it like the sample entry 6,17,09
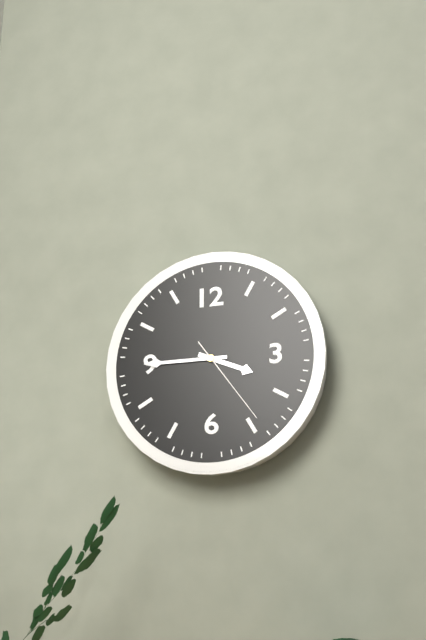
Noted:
3,45,24
